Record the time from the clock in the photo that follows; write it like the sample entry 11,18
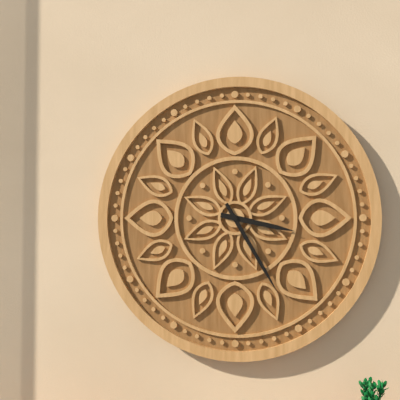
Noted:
3,25
